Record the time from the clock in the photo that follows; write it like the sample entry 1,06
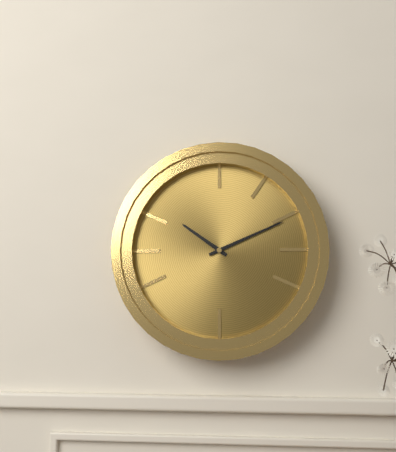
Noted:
10,11
